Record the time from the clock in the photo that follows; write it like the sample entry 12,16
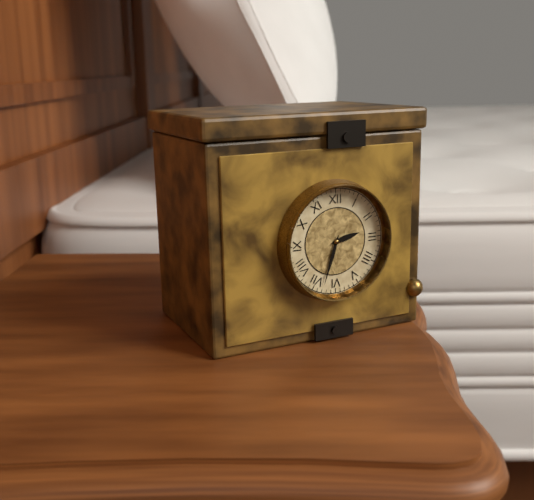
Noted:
2,33
